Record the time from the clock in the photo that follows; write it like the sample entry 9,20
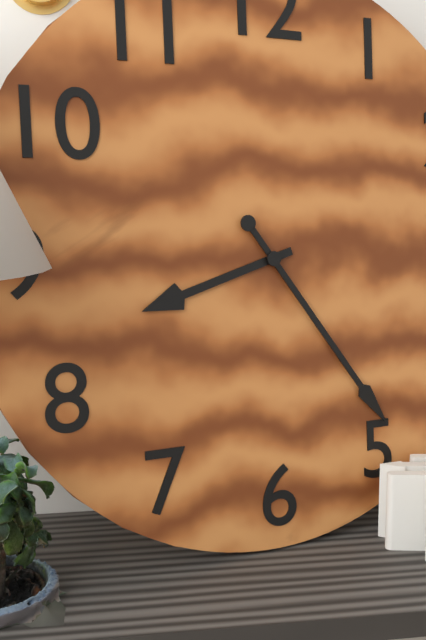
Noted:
8,24
